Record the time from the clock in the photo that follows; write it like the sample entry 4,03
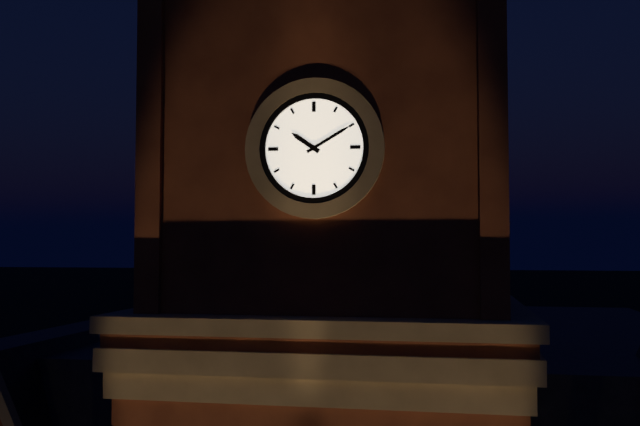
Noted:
10,10
